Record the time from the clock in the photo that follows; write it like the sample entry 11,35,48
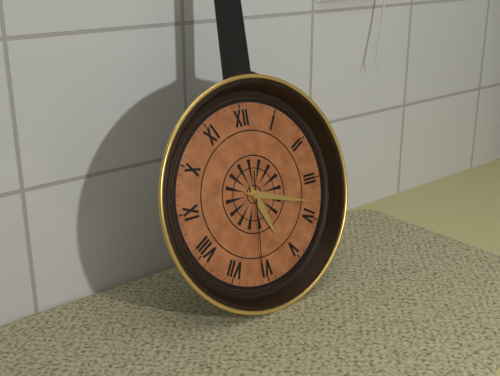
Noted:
5,18,31
